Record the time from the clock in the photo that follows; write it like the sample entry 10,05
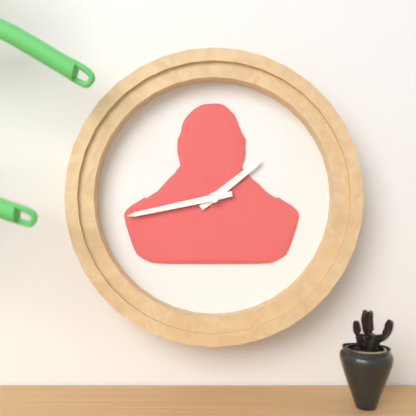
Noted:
1,43
